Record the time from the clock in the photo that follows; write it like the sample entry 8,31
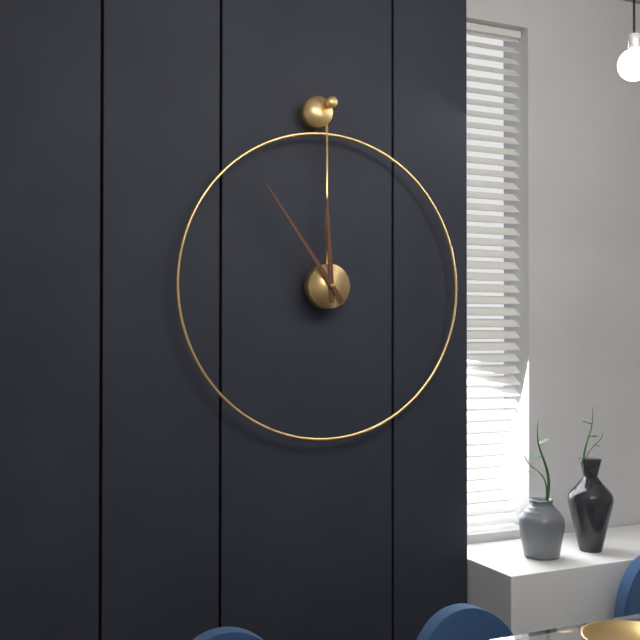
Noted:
11,54
